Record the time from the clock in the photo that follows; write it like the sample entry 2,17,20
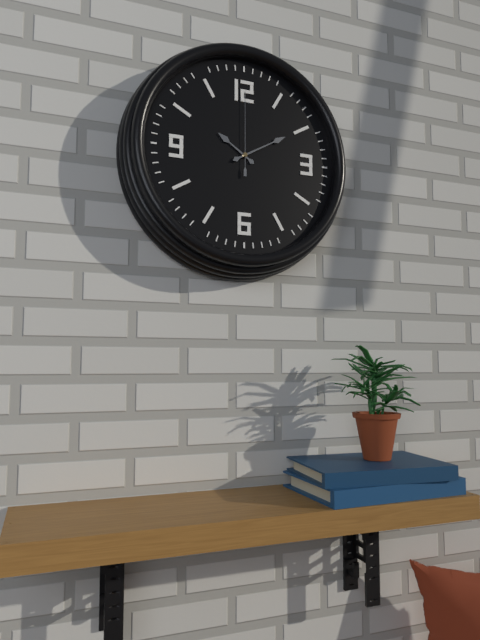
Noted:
10,10,00
